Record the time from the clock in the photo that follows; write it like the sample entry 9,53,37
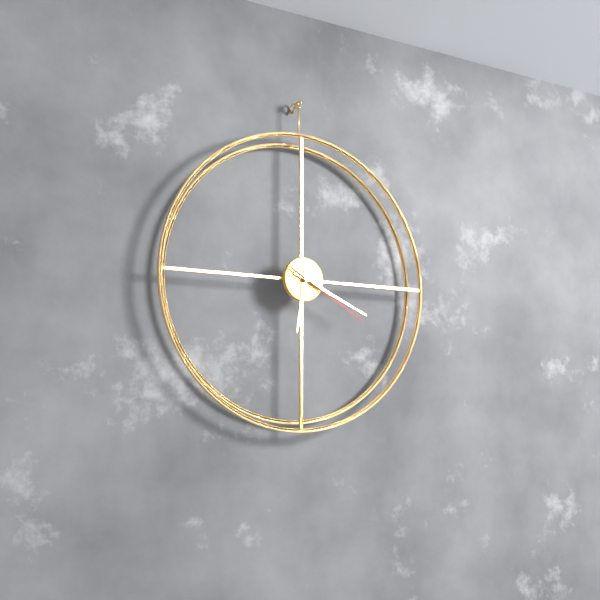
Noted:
6,19,20
